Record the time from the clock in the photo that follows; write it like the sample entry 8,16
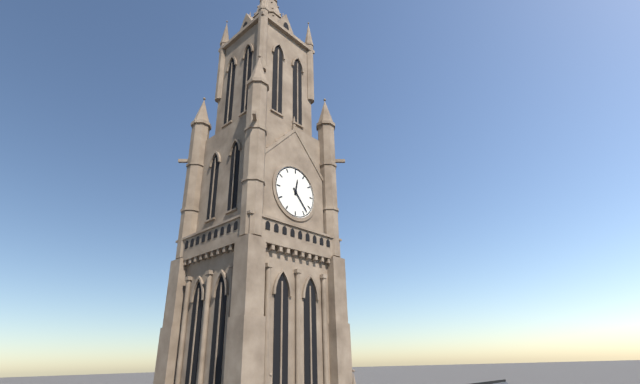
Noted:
12,23
